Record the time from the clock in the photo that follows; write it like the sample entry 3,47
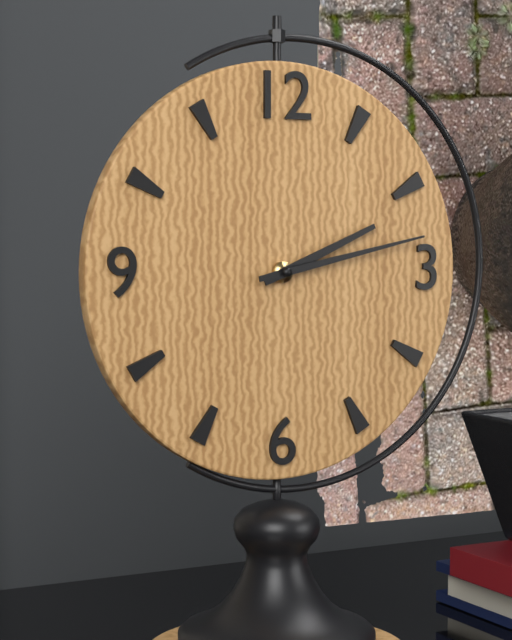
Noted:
2,13
